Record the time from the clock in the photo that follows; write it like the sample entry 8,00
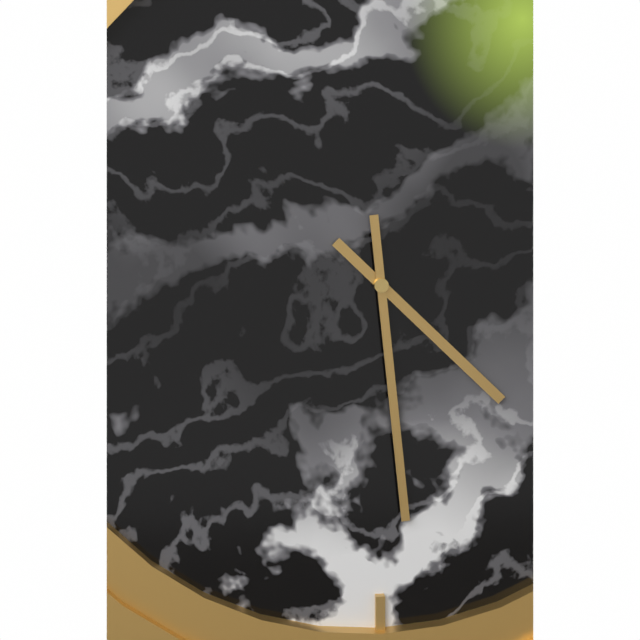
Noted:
4,29
